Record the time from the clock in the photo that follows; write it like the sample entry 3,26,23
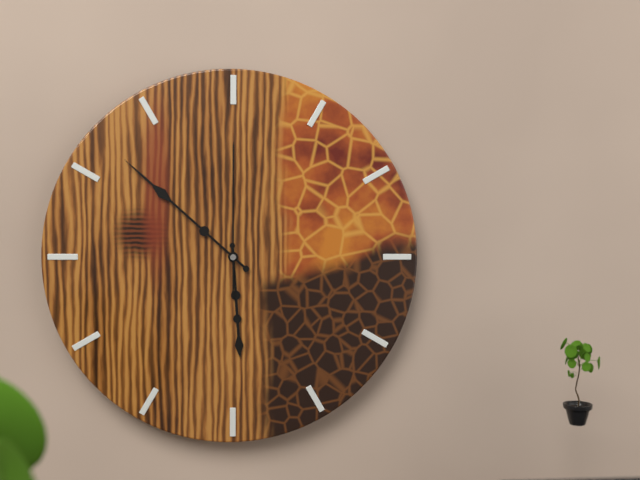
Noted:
5,52,00
